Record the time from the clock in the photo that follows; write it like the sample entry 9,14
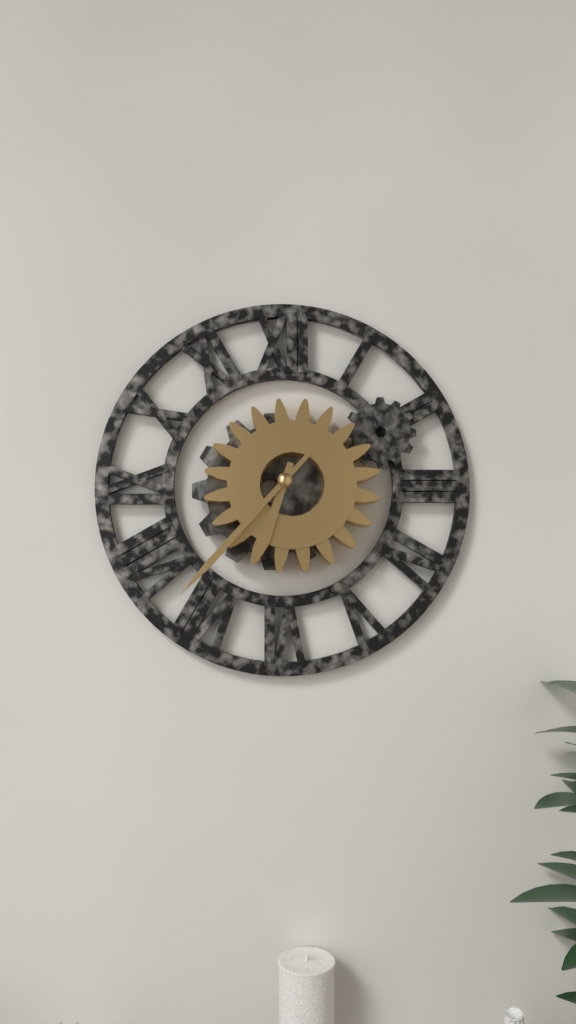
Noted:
6,37
